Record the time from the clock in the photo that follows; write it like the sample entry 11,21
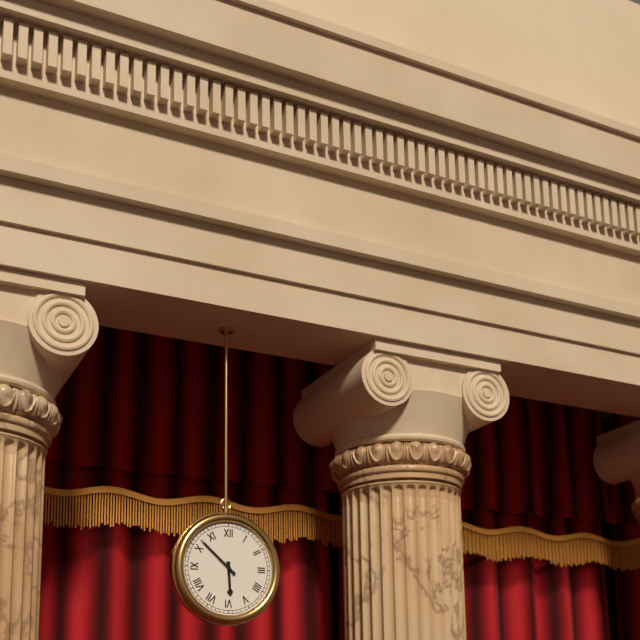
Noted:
5,52
